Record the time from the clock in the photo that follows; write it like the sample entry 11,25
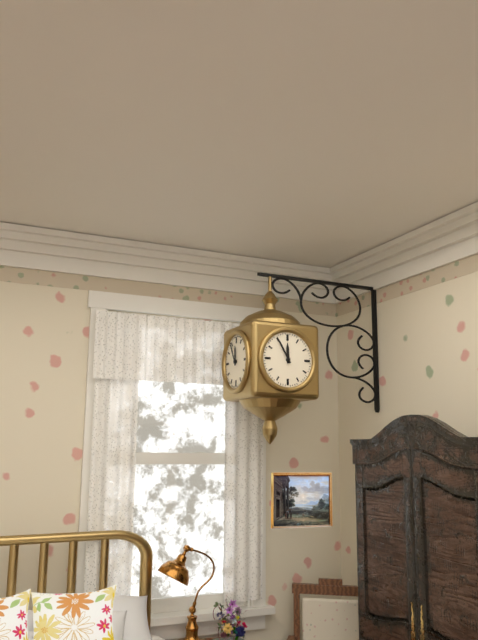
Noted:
11,55
